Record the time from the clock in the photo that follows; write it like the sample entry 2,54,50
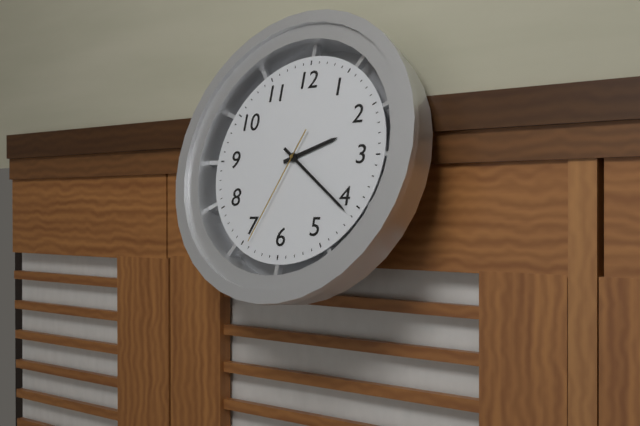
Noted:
2,21,34
